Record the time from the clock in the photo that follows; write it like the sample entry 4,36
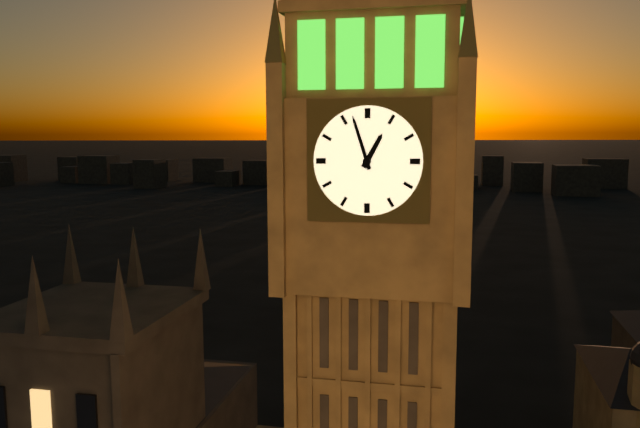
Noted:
12,57
